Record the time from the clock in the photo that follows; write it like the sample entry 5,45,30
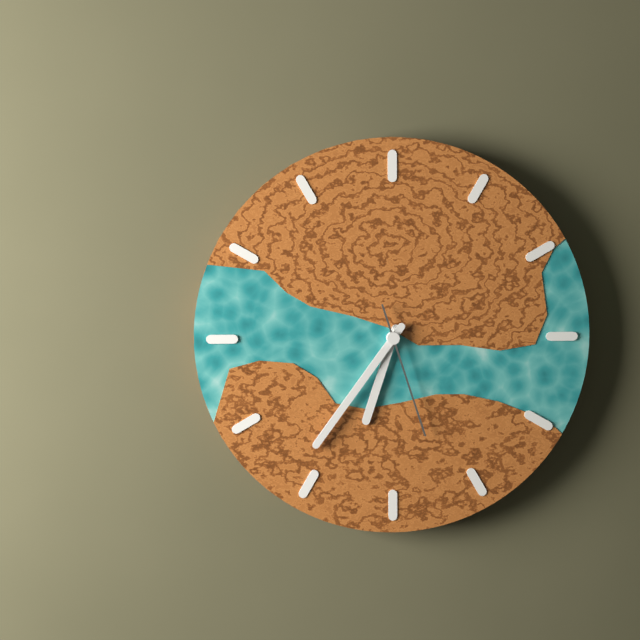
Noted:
6,36,27
